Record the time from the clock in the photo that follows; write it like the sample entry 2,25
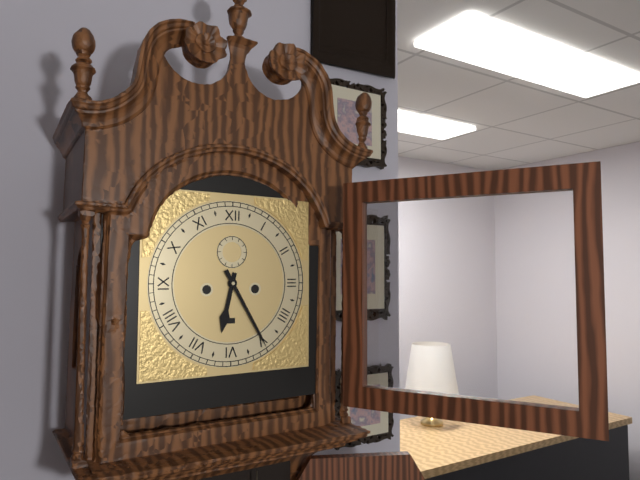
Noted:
6,25
